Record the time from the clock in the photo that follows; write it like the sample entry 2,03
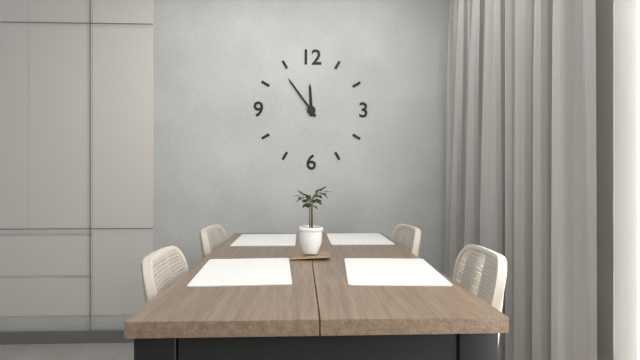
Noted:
11,54
